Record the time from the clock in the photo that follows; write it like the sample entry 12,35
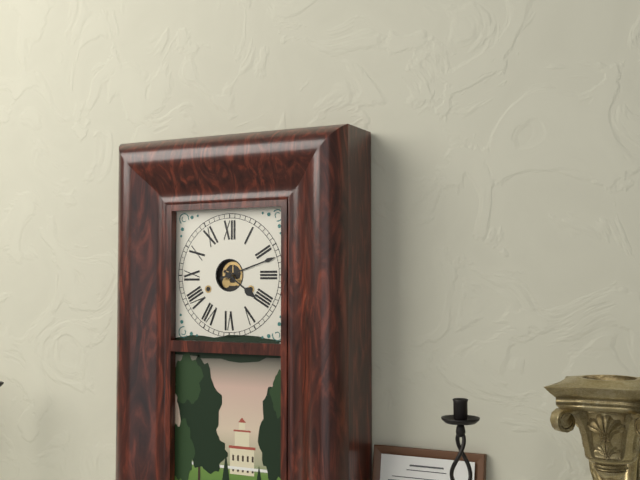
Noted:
4,12
